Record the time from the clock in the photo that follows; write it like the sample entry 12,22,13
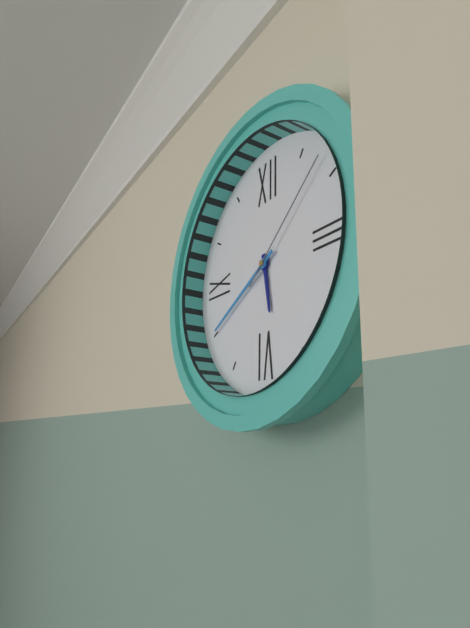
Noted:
5,40,08
